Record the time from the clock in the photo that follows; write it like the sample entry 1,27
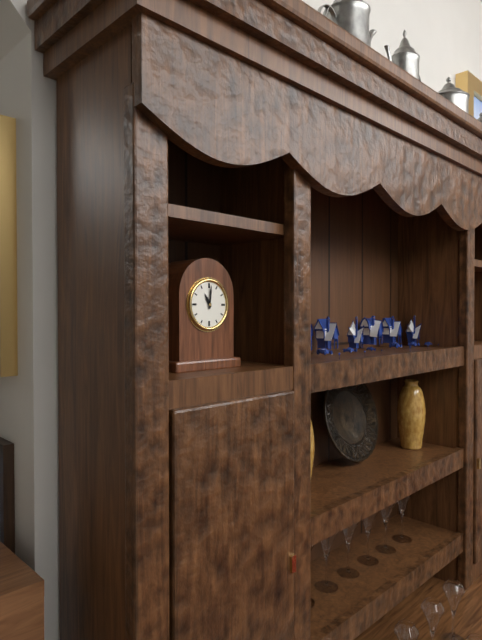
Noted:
11,01
